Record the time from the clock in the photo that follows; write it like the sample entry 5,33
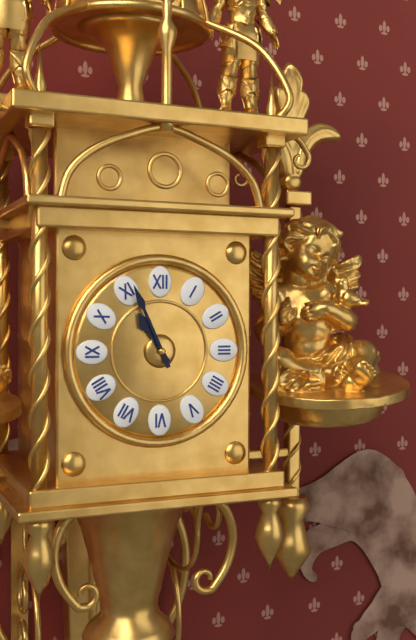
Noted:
10,56
